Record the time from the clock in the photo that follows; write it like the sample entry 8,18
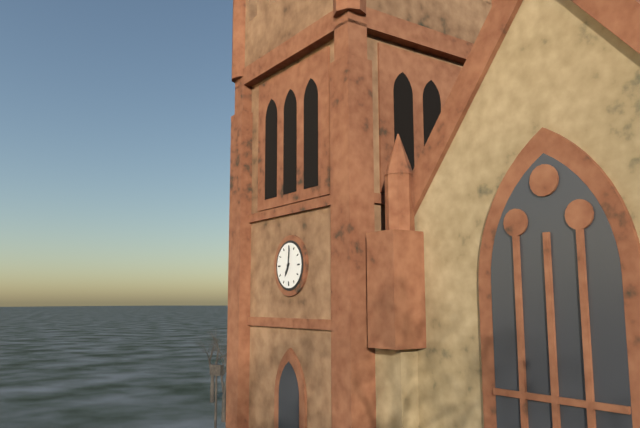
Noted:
7,01
